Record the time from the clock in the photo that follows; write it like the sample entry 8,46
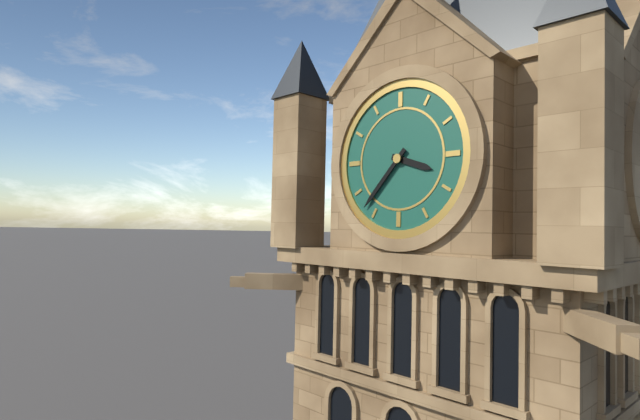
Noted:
3,37
